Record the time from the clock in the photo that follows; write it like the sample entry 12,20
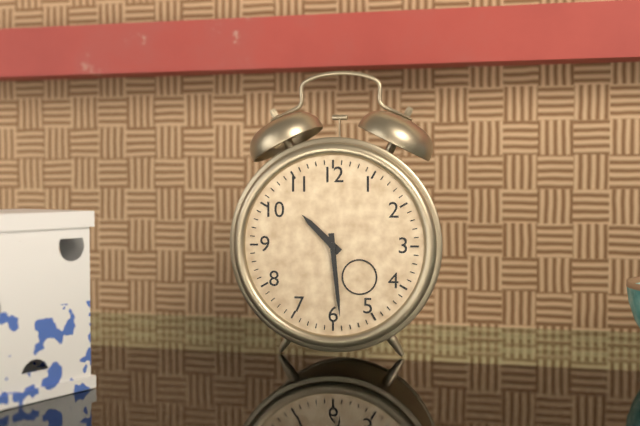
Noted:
10,29
